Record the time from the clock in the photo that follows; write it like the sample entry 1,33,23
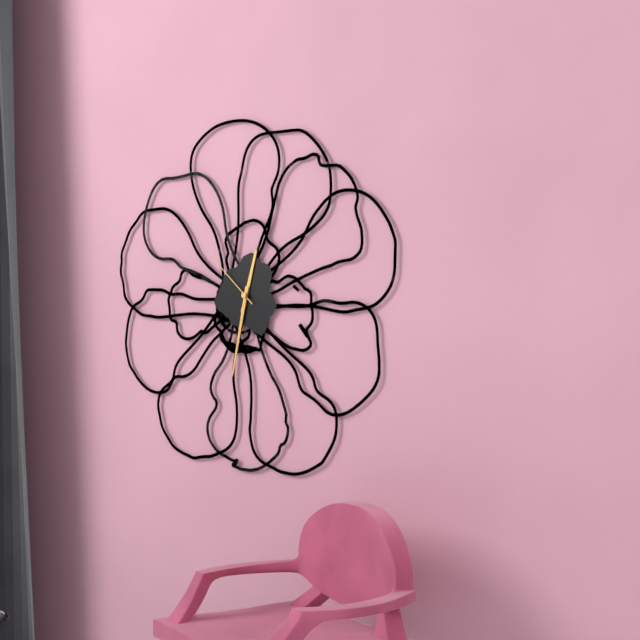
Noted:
12,32,52
